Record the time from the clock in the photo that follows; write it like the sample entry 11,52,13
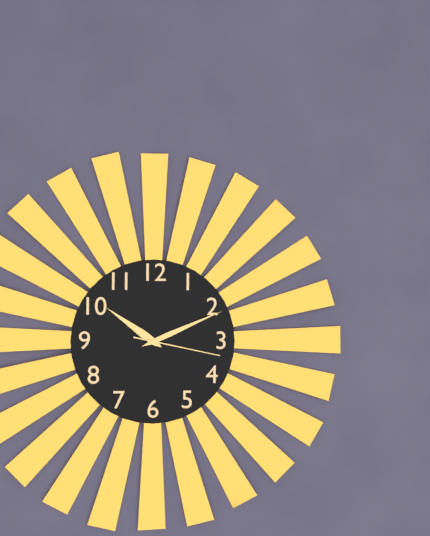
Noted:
10,11,17
